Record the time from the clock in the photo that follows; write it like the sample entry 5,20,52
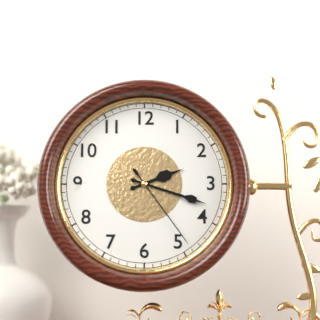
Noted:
2,18,24
